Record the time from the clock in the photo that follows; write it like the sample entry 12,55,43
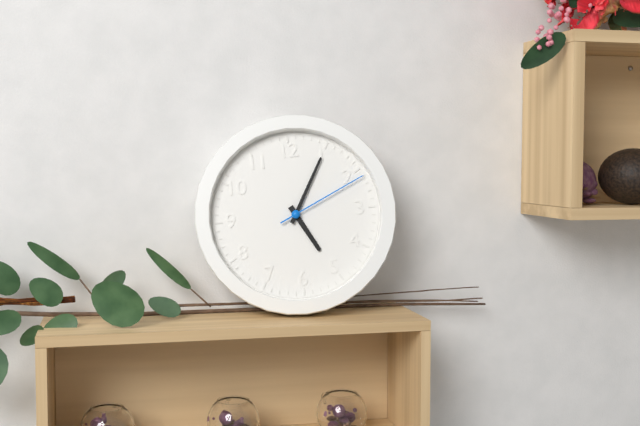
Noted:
5,05,11
